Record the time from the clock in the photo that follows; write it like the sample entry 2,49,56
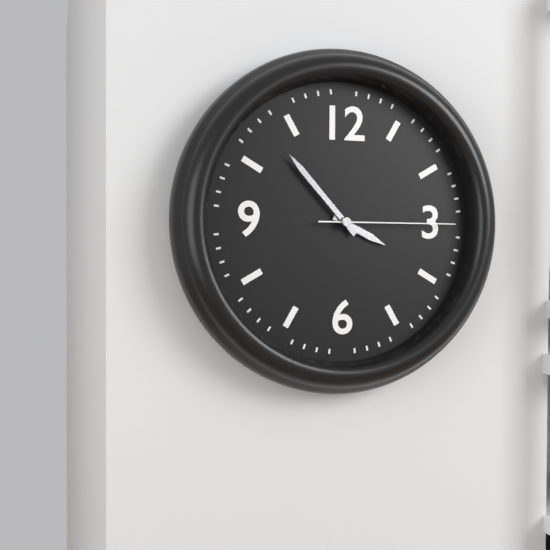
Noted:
3,53,15
